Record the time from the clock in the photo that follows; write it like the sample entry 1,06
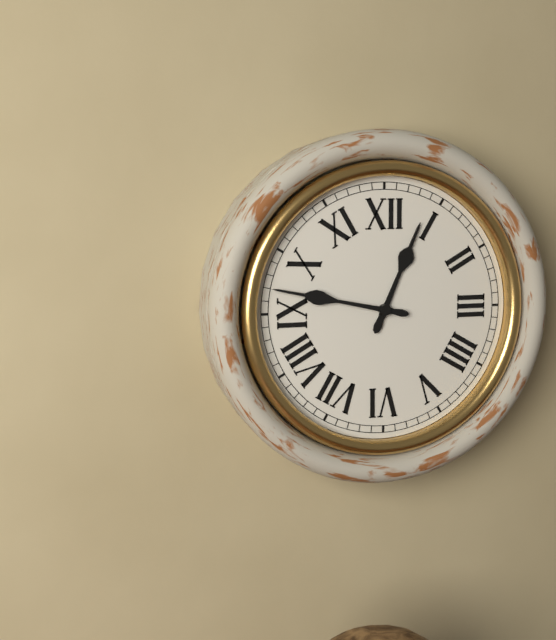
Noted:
12,47
